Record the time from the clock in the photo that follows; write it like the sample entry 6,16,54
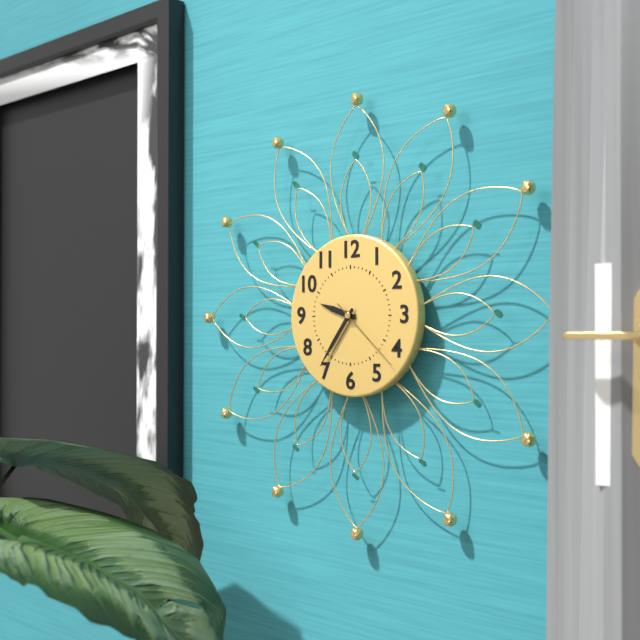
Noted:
9,36,22
